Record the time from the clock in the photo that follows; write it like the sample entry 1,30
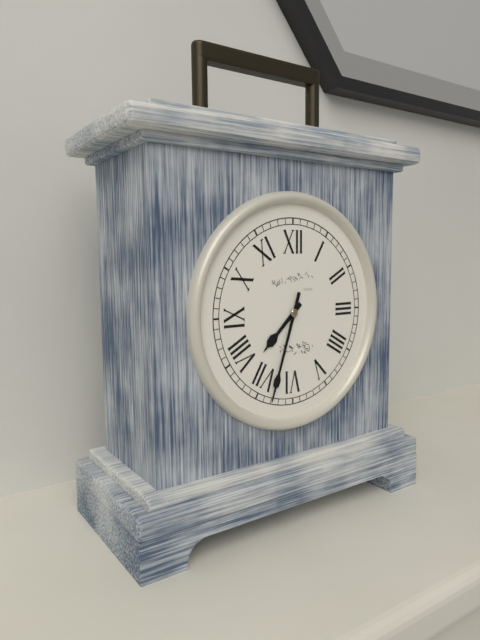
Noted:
7,33
